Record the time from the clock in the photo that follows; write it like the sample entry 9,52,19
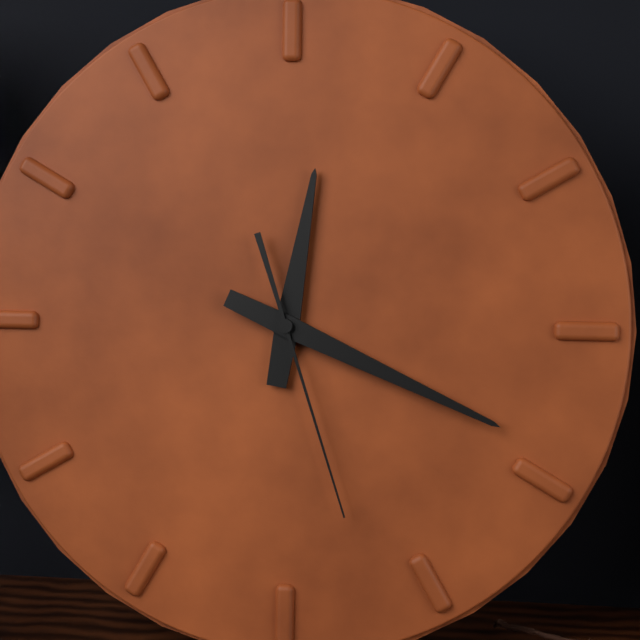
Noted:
12,19,27
